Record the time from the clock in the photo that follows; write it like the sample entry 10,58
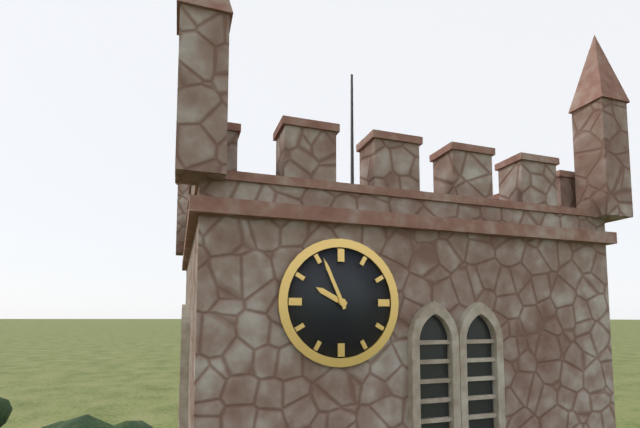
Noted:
9,56
